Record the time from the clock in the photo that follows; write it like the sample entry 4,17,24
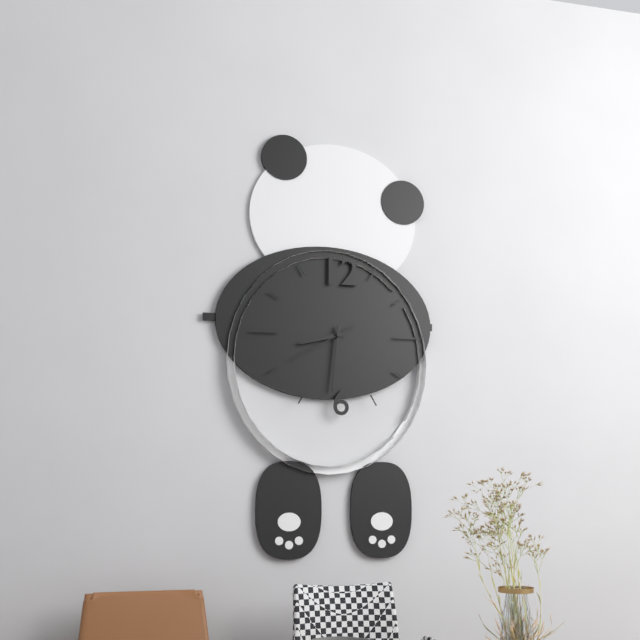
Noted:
8,31,40
